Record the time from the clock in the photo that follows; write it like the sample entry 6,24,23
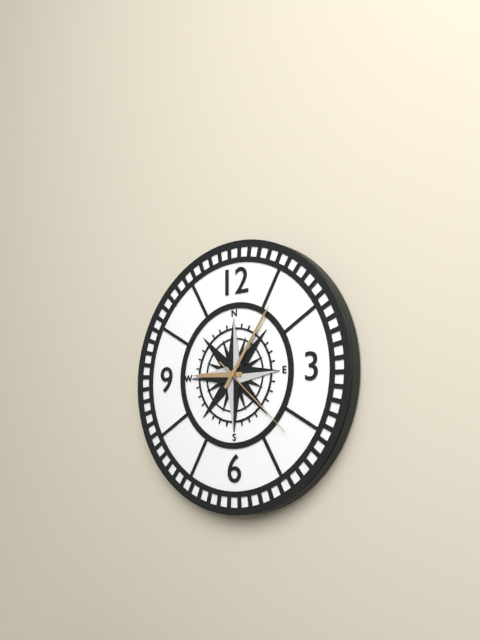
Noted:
9,06,22
